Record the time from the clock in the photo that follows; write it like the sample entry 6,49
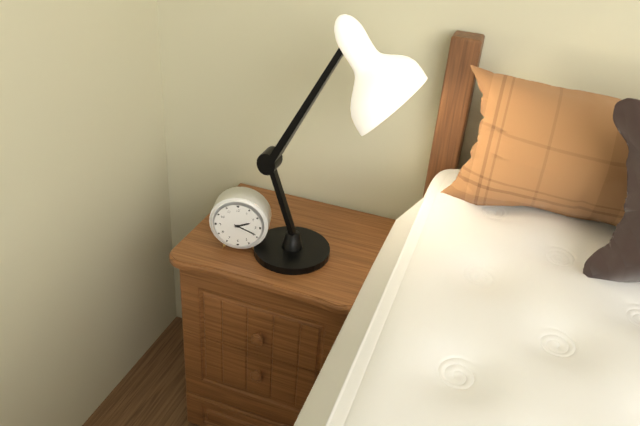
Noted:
2,19
